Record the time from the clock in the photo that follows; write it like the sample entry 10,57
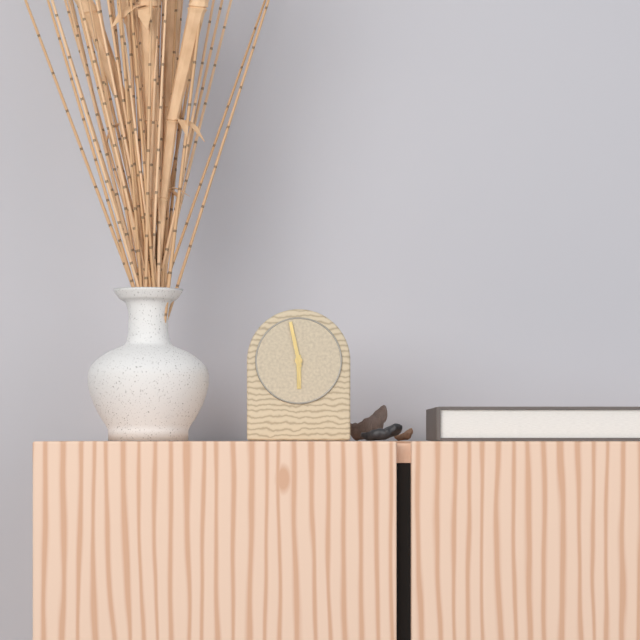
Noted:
5,58
